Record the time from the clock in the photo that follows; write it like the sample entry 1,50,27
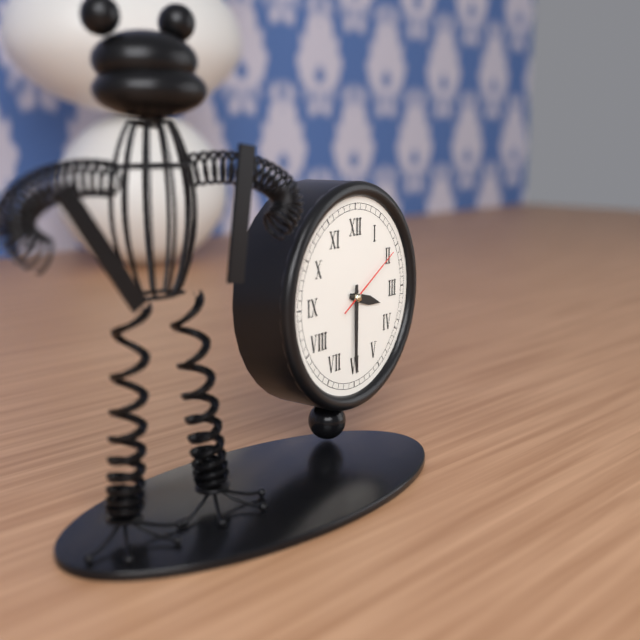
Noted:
3,30,10
